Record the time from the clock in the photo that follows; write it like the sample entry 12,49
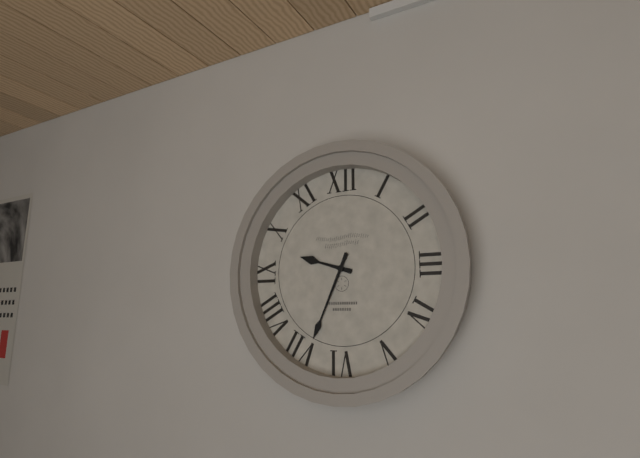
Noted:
9,34
